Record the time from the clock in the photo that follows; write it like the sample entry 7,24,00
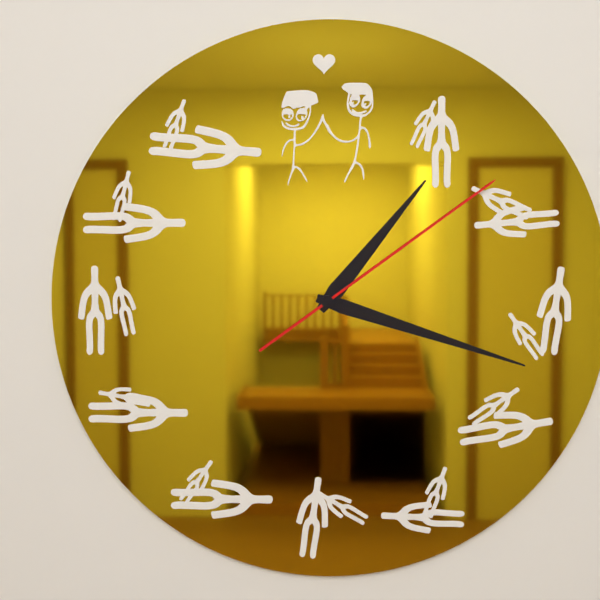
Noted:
1,18,09
